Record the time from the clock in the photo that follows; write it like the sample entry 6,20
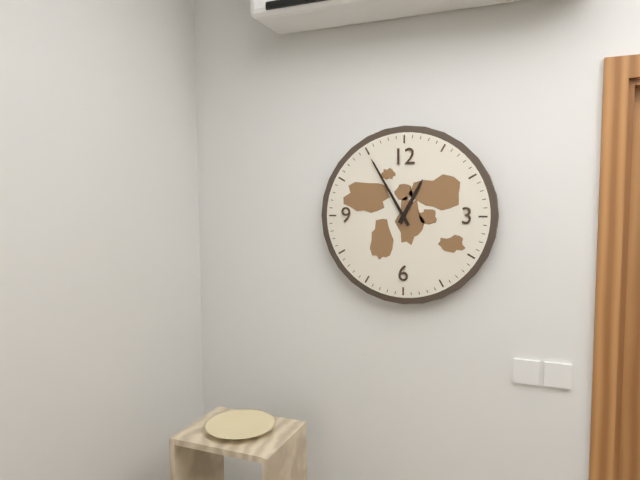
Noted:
12,55
